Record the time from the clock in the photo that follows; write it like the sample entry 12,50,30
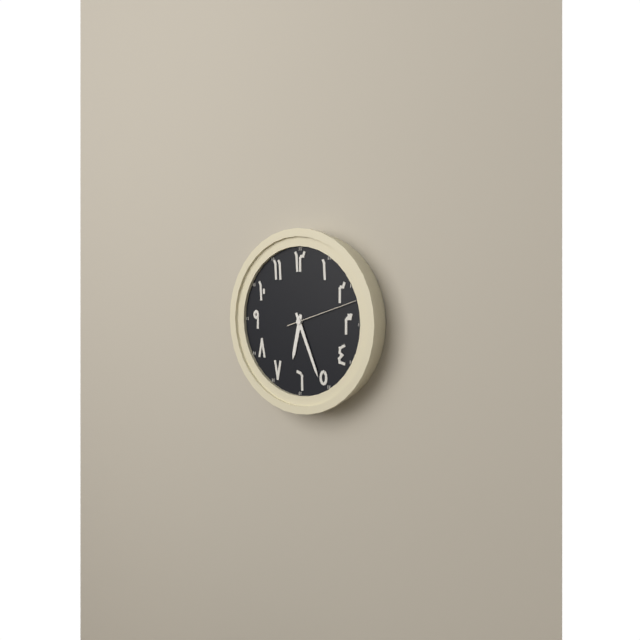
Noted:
6,26,12
